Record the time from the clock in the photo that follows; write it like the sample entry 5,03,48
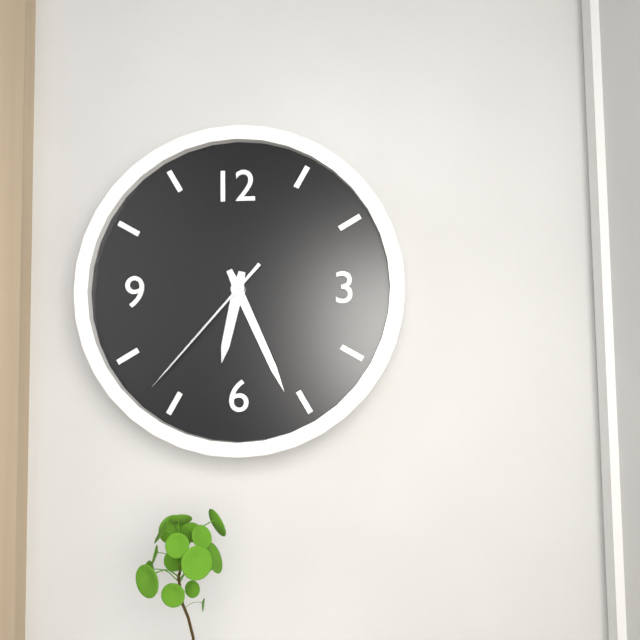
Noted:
6,26,37
